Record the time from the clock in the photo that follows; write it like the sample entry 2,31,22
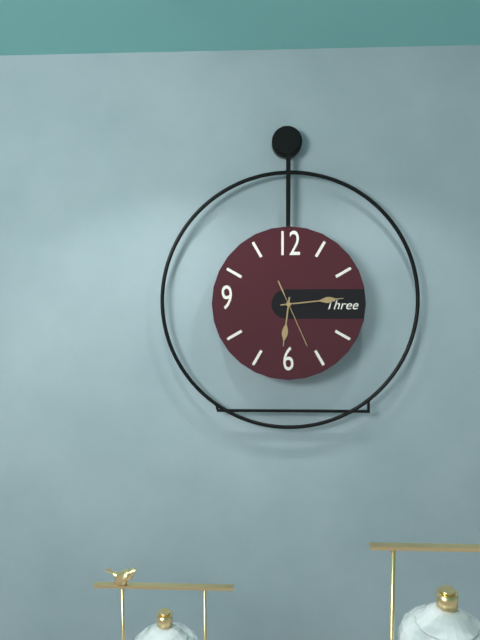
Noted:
6,14,26
